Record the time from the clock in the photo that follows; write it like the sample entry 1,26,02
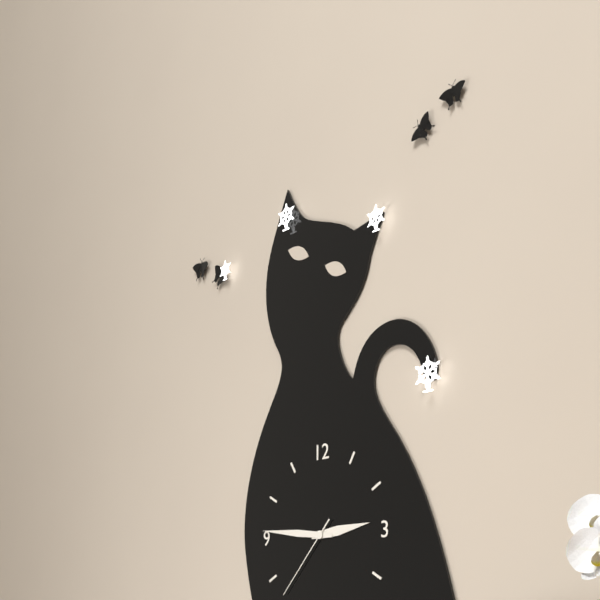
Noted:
2,46,37
